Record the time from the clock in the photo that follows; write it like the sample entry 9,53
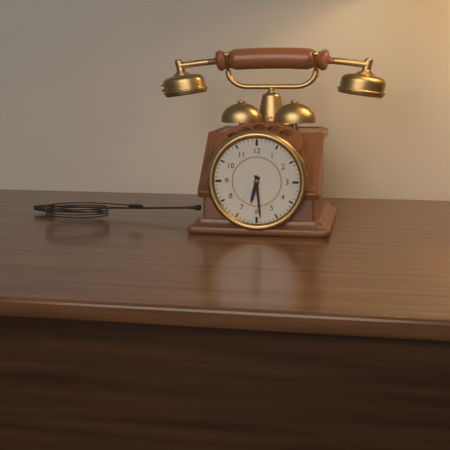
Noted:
6,29
